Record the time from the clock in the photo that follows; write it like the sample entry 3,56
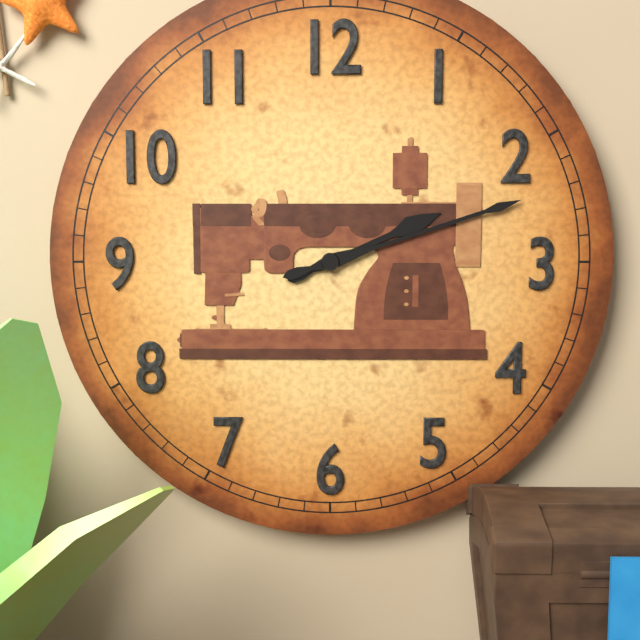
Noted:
2,12
